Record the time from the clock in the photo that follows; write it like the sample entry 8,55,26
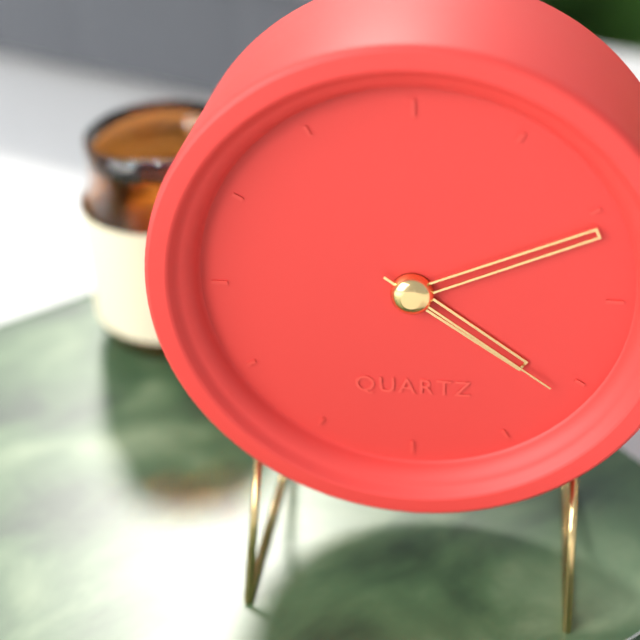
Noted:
4,11,21
